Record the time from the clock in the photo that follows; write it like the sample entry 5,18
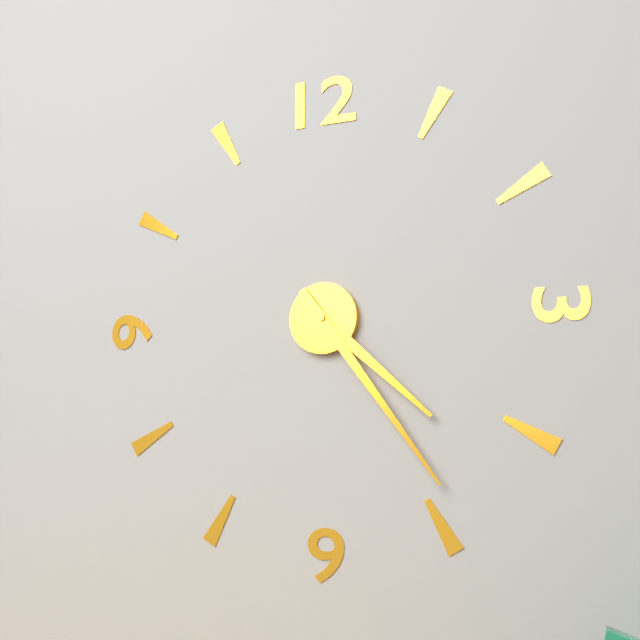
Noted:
4,24
